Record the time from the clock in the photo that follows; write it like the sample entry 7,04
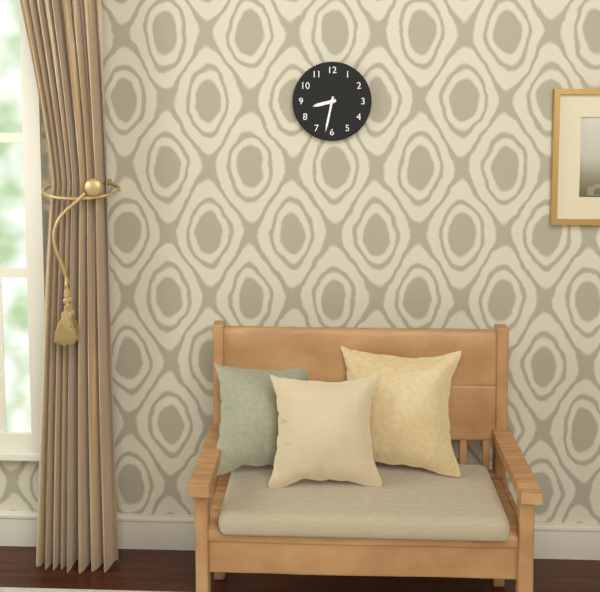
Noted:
8,32
